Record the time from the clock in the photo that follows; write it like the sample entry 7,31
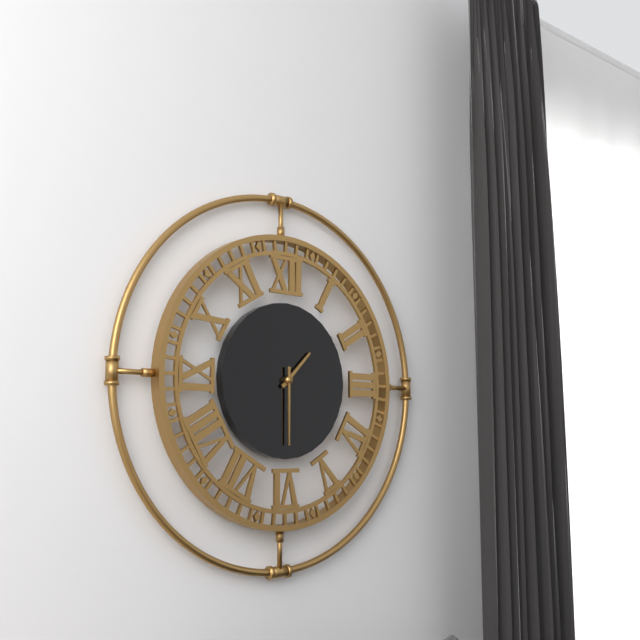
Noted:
1,30
